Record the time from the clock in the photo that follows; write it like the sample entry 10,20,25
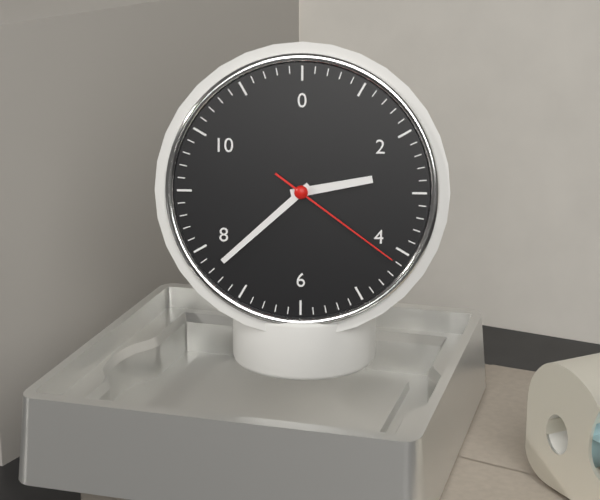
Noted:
2,38,21
